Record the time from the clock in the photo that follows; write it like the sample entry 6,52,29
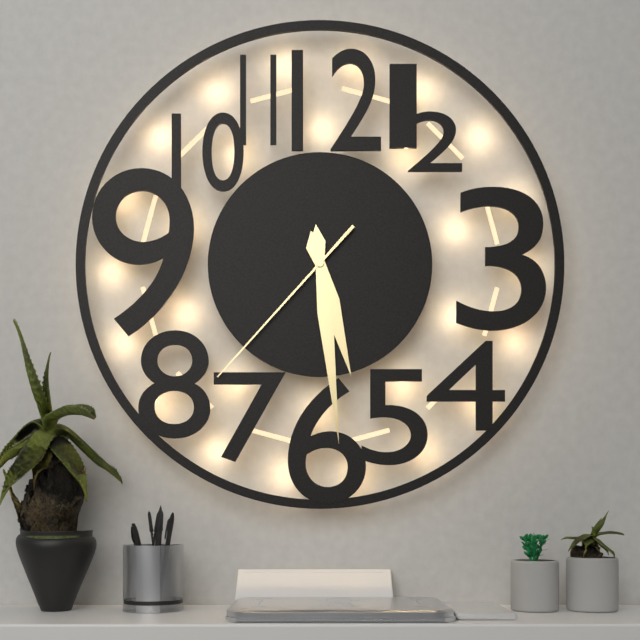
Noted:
5,29,37
